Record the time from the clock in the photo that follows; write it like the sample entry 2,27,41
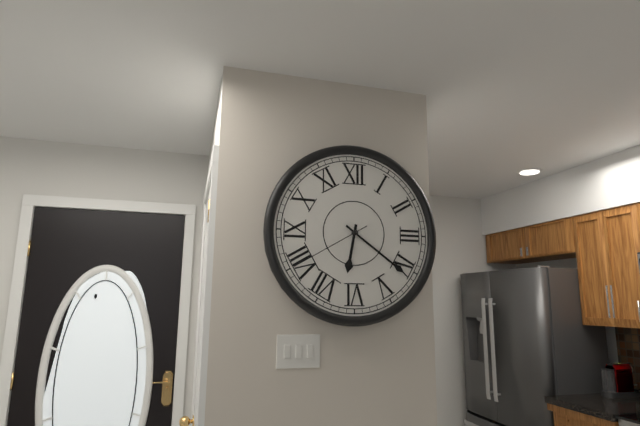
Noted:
6,21,40
